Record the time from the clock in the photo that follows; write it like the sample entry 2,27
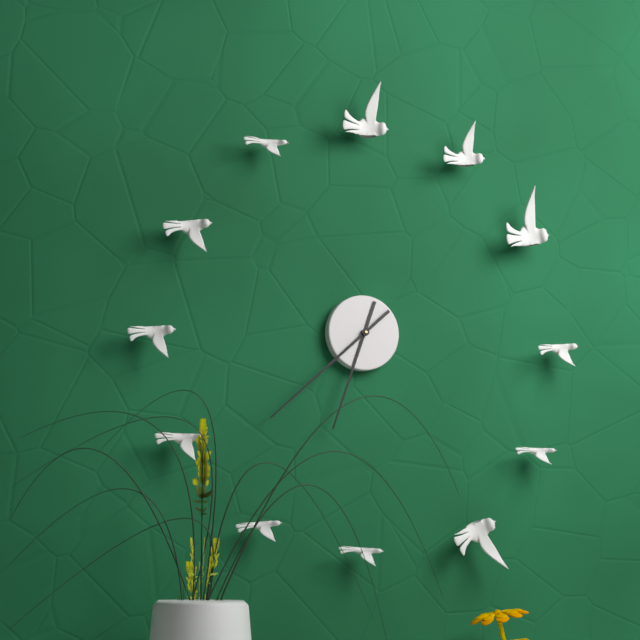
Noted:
6,38
